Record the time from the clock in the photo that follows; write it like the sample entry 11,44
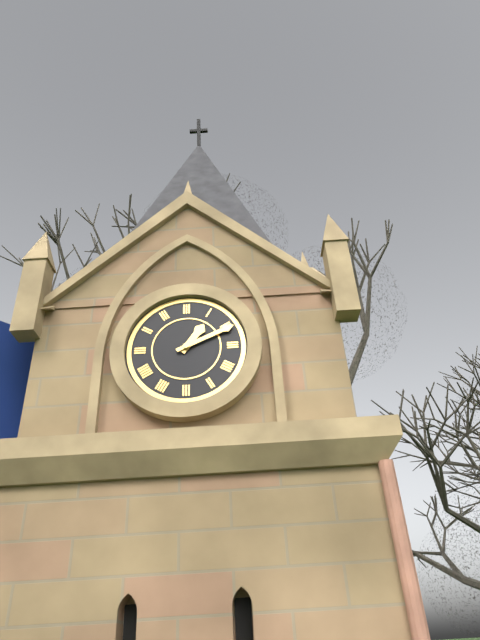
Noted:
1,11
